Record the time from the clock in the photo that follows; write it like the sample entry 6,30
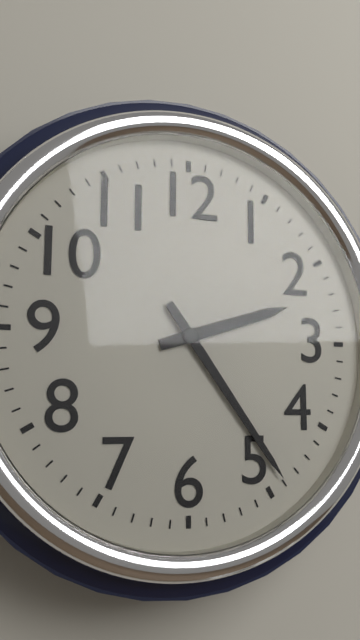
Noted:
2,24
